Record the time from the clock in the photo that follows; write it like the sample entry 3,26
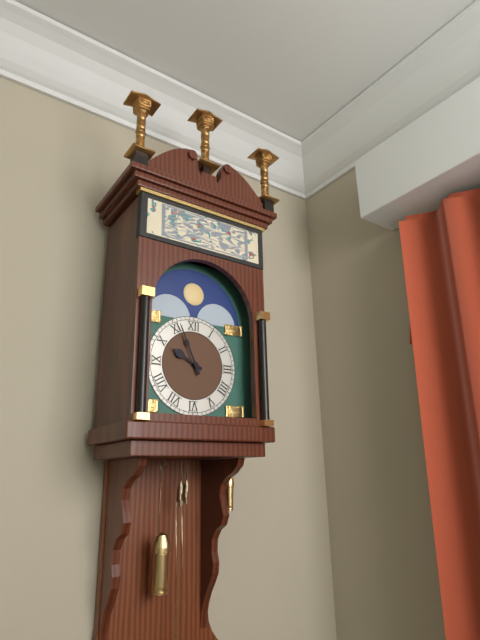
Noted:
9,56
